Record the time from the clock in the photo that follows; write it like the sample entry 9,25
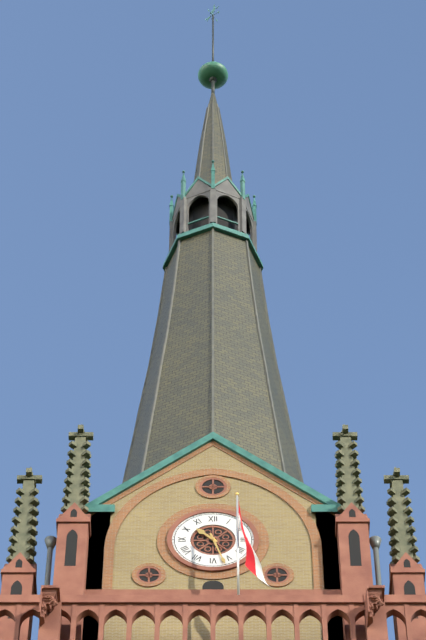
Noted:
10,27
